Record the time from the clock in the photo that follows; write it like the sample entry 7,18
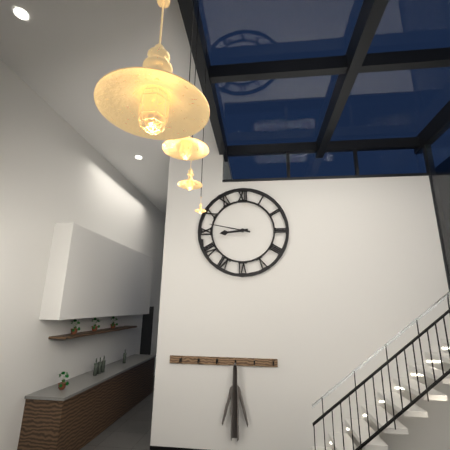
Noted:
8,47
